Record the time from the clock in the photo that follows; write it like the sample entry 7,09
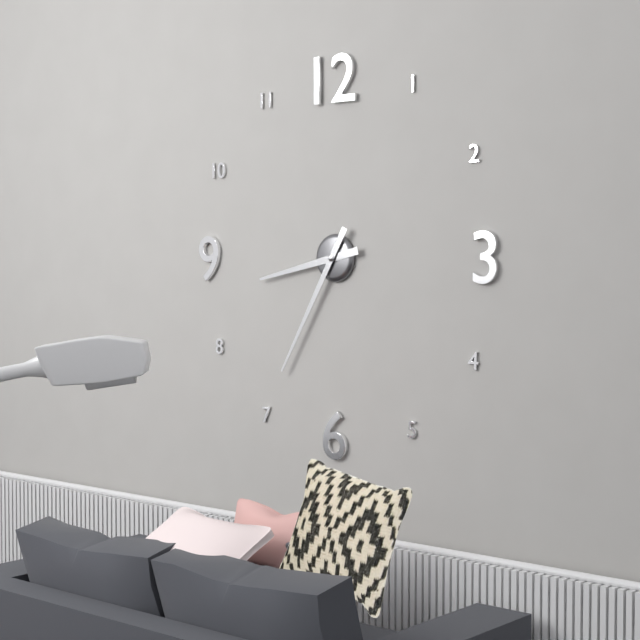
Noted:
8,35
